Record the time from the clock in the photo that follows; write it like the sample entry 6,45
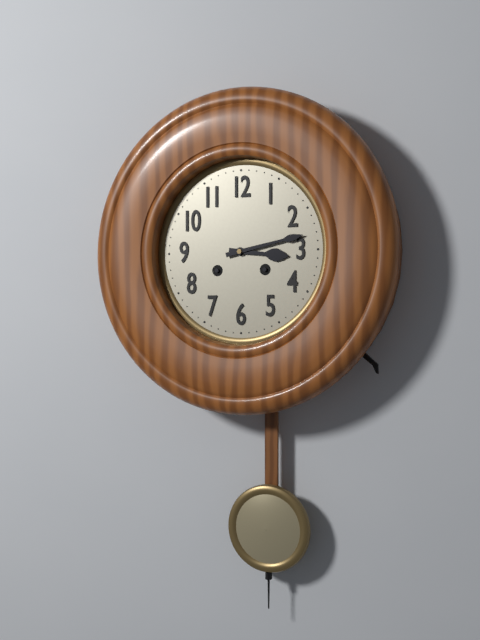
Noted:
3,13
